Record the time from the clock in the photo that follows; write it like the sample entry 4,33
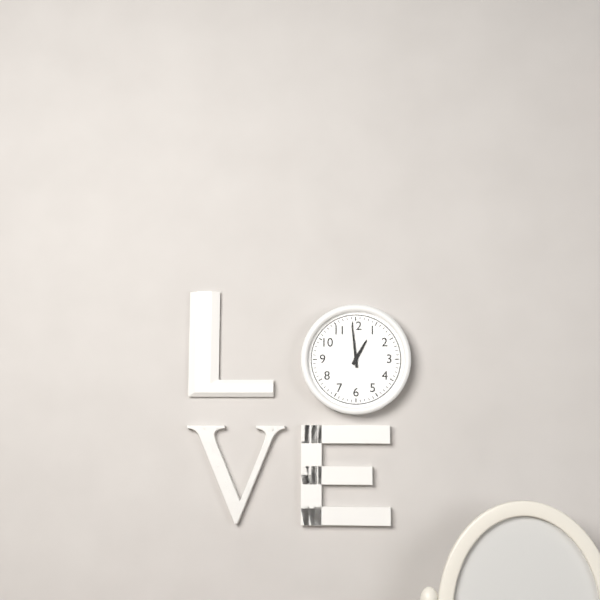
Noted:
12,59
